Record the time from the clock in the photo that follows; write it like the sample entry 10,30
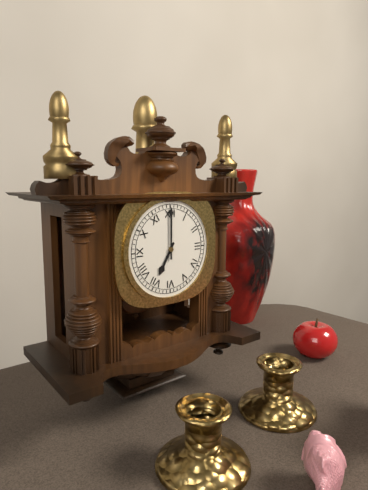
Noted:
7,00
